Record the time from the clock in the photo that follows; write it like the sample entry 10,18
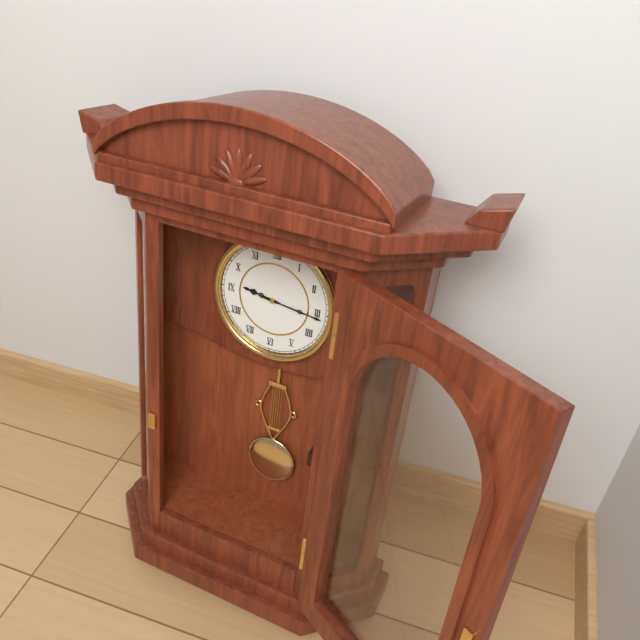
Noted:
9,16
